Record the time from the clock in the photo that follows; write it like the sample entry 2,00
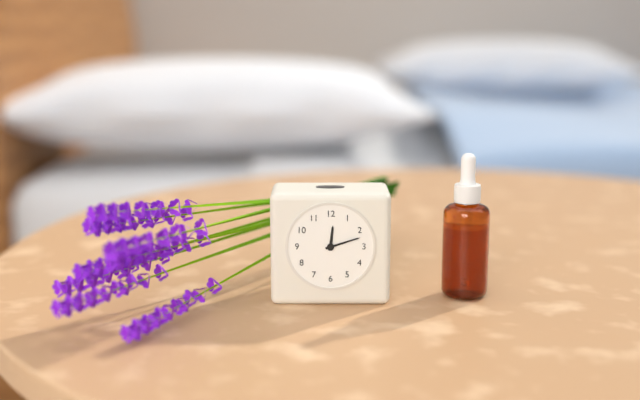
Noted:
12,12
